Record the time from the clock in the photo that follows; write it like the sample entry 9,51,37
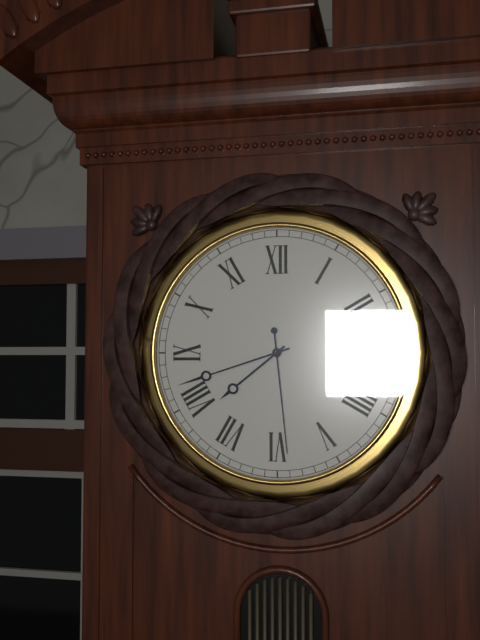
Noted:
7,42,29
